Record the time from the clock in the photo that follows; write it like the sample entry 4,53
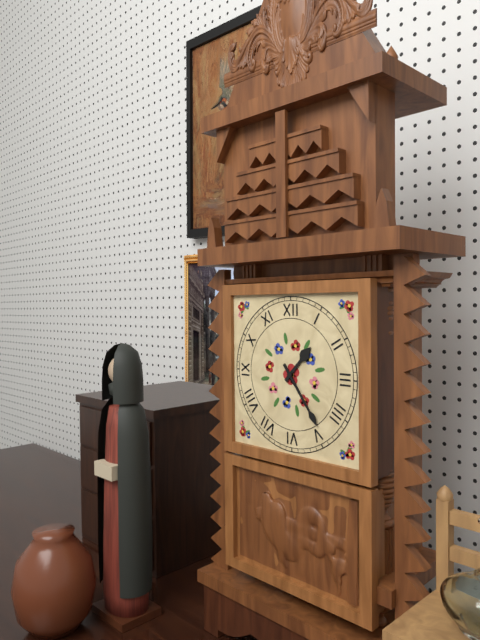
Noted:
1,24
